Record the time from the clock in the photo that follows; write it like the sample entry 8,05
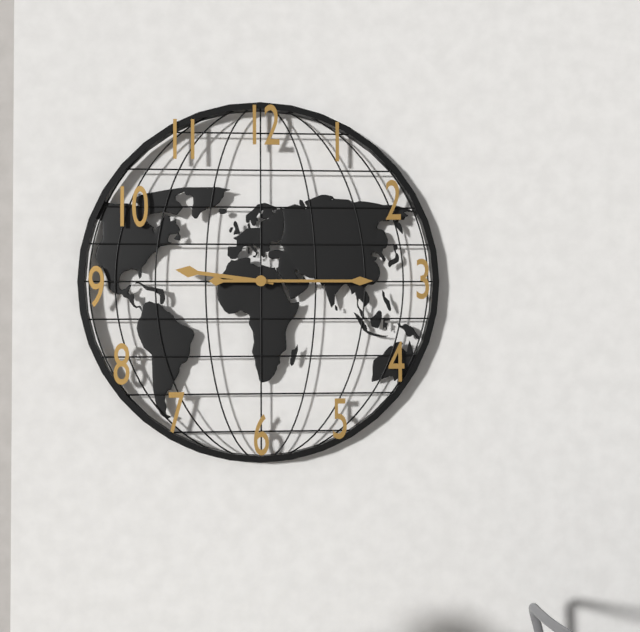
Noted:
9,15
